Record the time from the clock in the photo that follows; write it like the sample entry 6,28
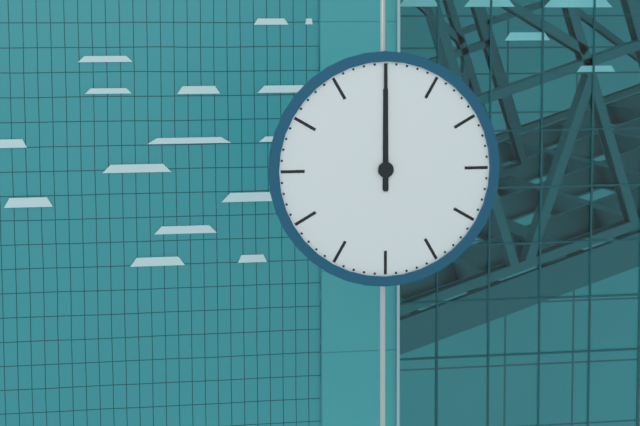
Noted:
12,00
